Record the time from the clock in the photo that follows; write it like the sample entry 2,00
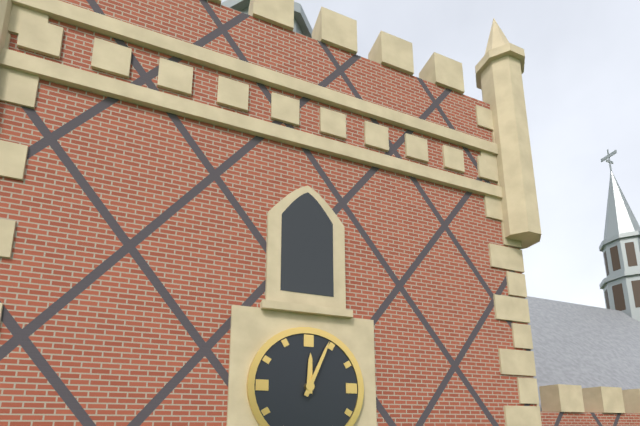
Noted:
12,04
